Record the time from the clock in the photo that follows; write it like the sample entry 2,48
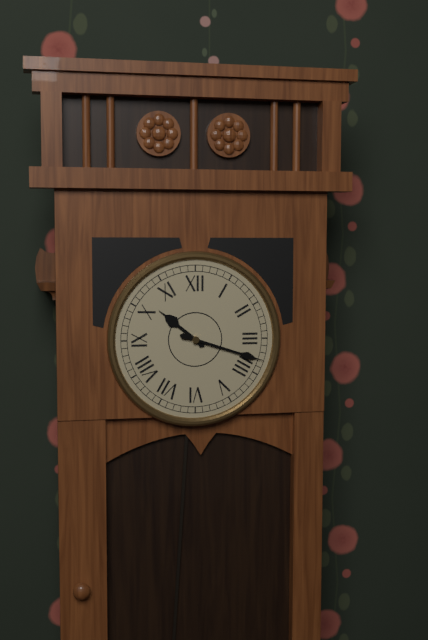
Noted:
10,18
